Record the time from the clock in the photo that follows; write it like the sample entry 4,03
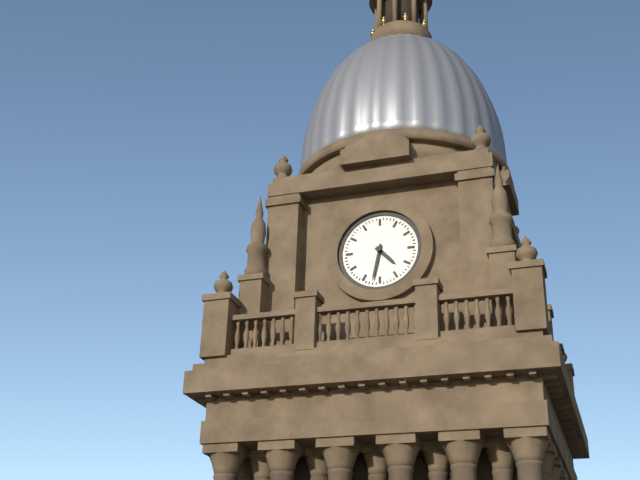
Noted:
4,32
